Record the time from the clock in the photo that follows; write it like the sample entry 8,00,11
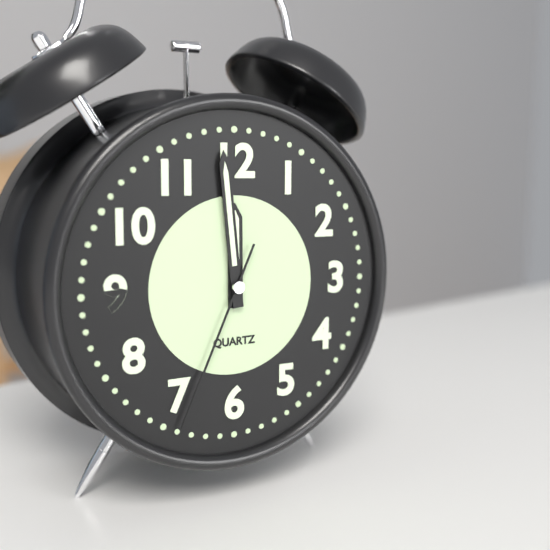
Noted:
11,59,34
